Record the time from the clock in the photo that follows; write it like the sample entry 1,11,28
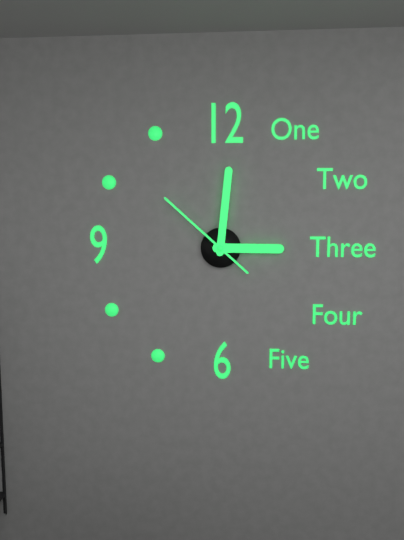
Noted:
3,01,52
